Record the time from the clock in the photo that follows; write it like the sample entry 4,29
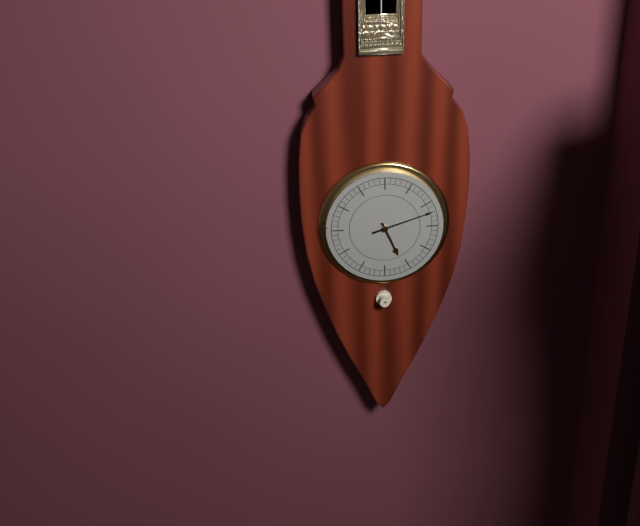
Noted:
5,12
